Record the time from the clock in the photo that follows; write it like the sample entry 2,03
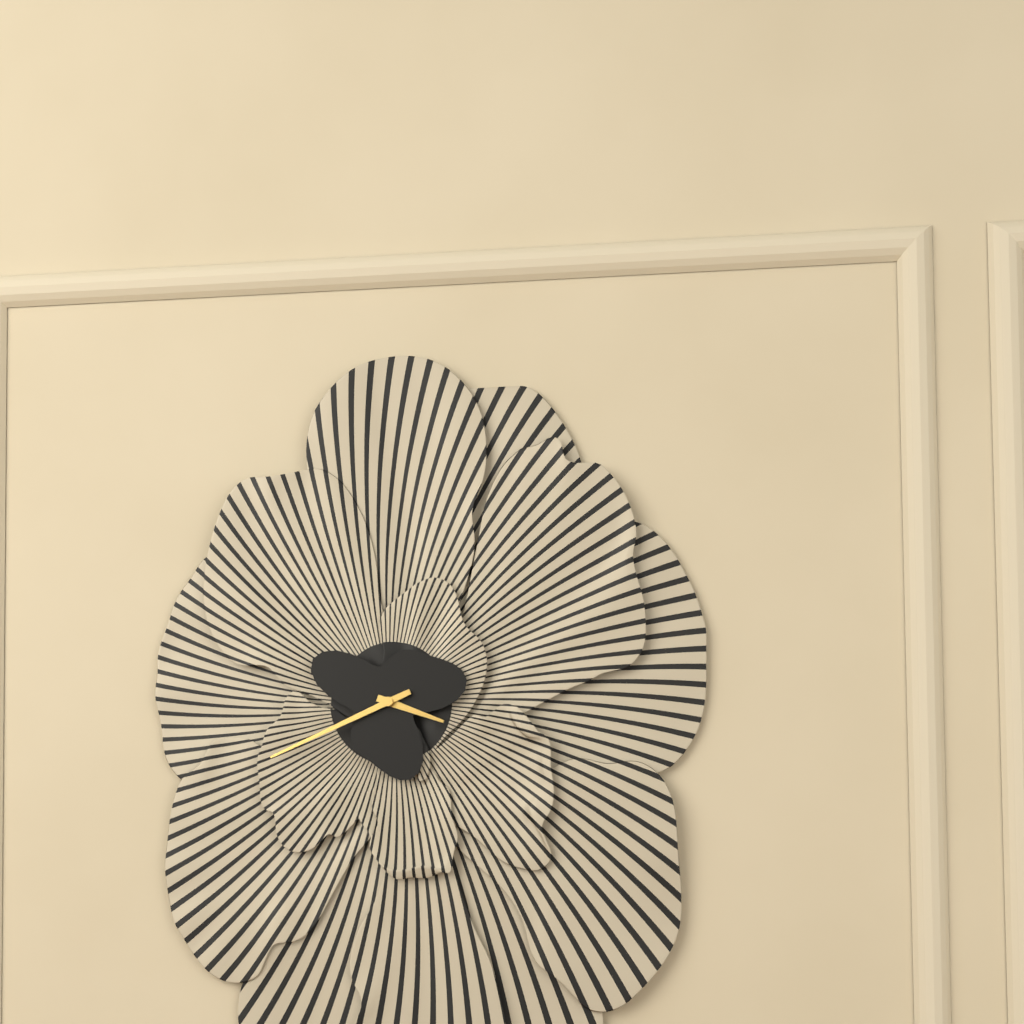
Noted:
3,41
